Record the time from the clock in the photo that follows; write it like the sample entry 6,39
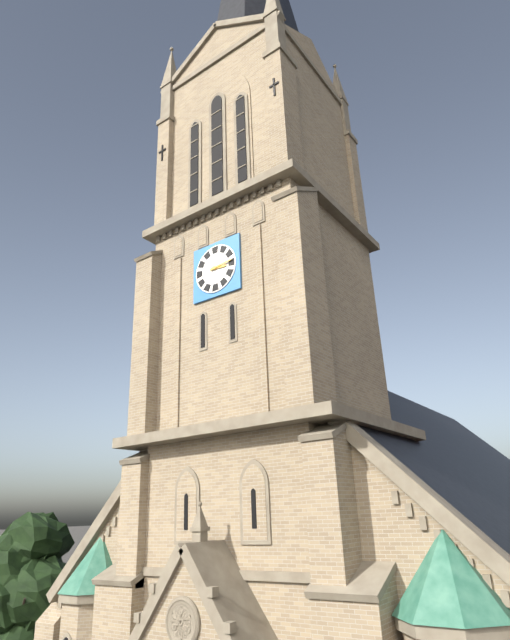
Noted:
3,14
